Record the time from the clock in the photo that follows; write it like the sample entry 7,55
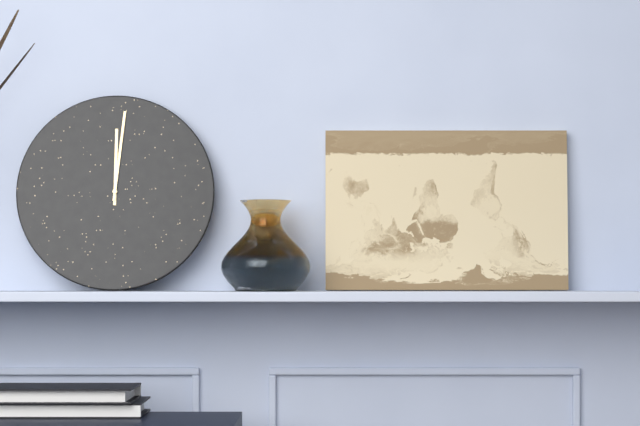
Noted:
12,01
